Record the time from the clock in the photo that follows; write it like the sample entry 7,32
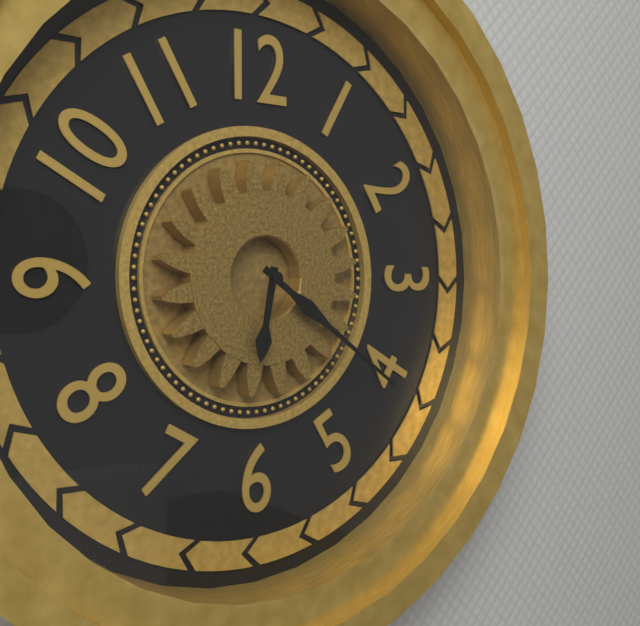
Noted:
6,21
